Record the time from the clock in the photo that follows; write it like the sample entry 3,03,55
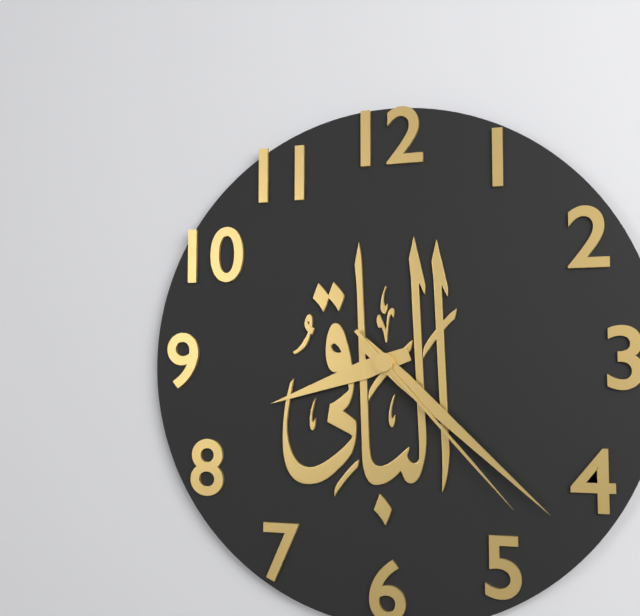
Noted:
8,22,23
